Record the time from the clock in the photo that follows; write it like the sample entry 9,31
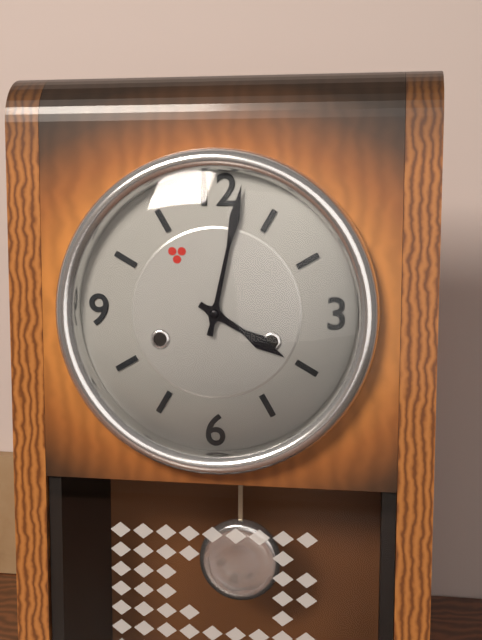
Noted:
4,02
